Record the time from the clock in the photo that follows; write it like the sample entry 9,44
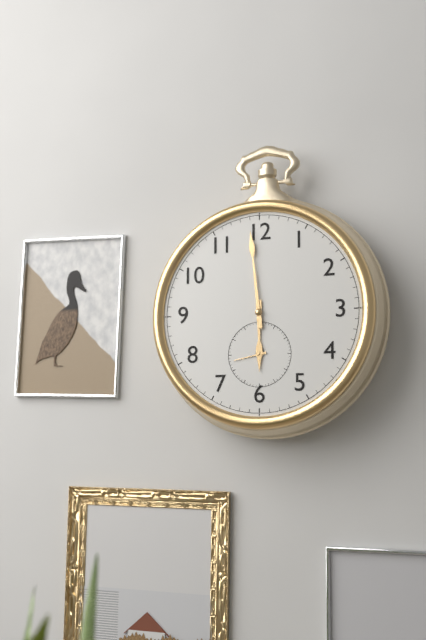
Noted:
5,59
